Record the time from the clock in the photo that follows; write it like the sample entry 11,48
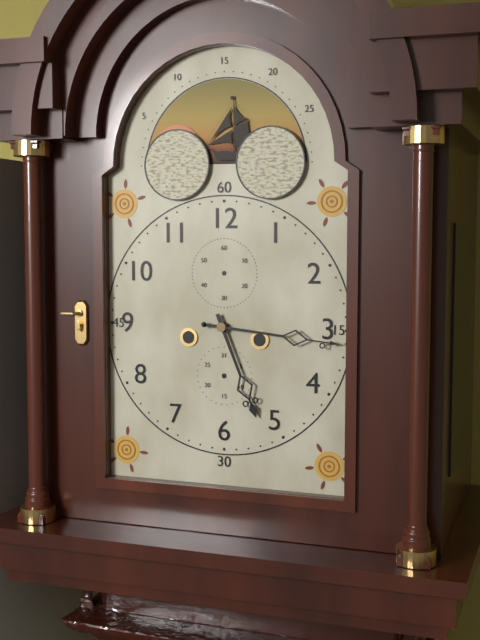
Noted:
5,16
